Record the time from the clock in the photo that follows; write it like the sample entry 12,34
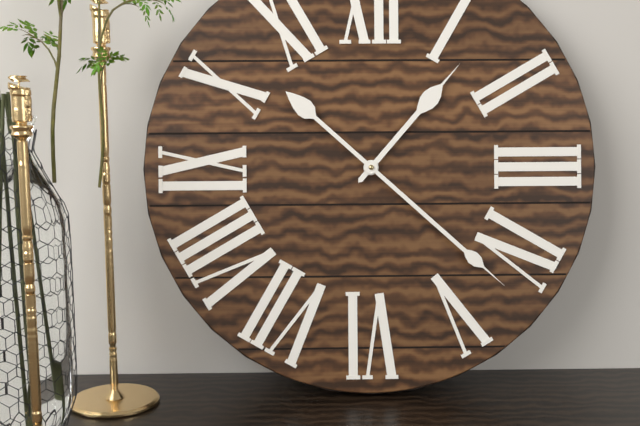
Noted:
1,22
